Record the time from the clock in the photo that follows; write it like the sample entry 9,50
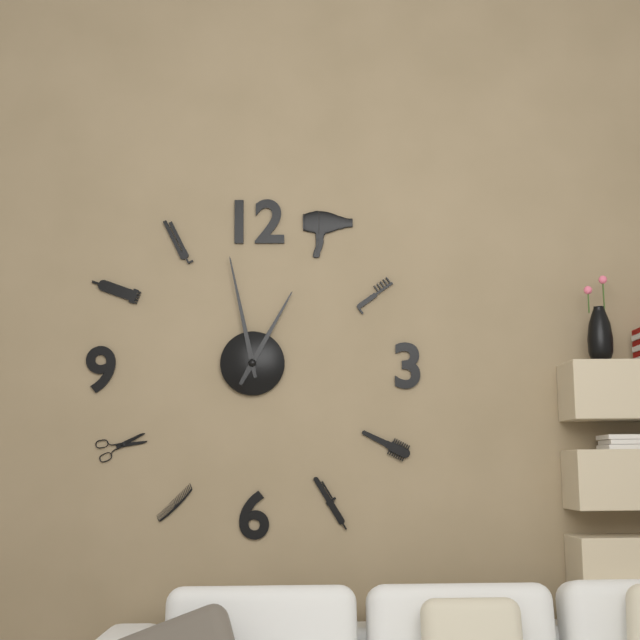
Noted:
12,58
